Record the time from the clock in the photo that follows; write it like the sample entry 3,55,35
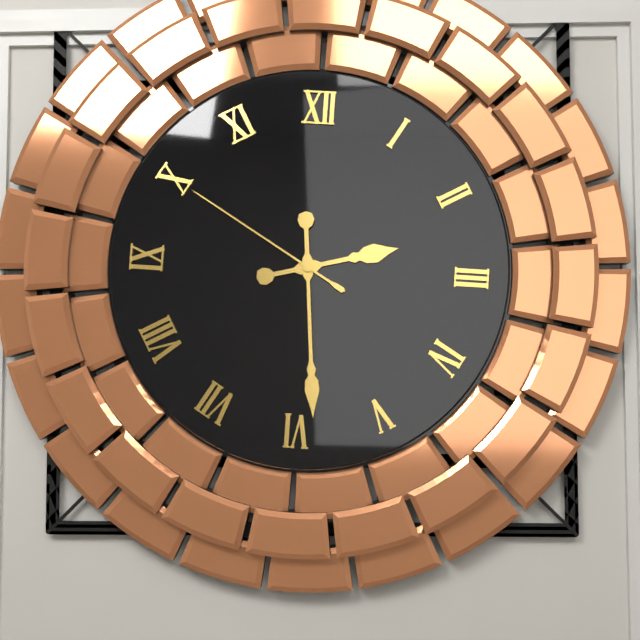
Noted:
2,29,50
